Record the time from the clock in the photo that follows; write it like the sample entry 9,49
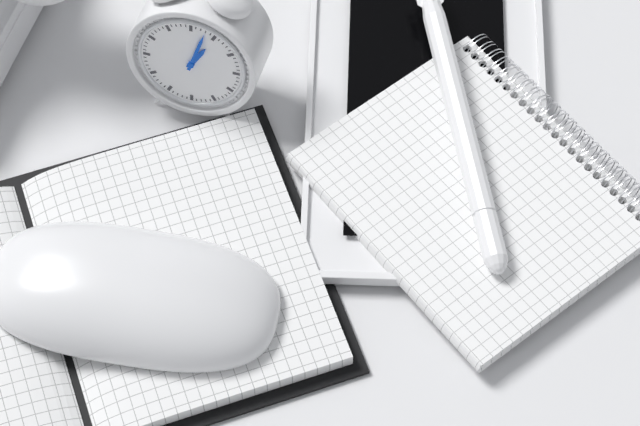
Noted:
1,03
